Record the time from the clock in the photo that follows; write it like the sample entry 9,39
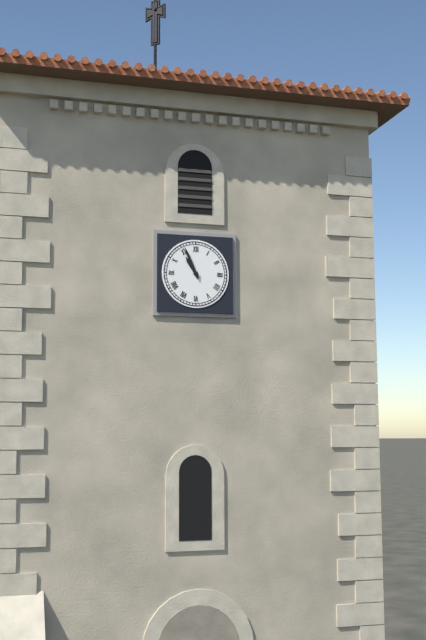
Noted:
10,56
